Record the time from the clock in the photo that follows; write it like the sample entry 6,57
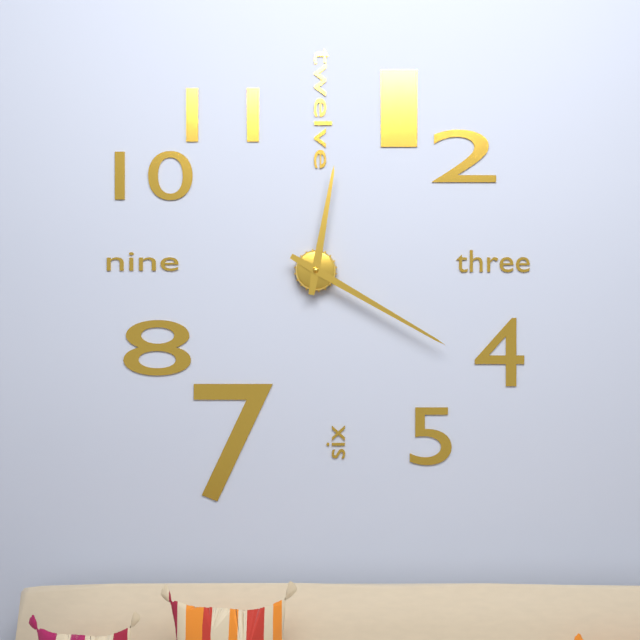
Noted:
12,20
